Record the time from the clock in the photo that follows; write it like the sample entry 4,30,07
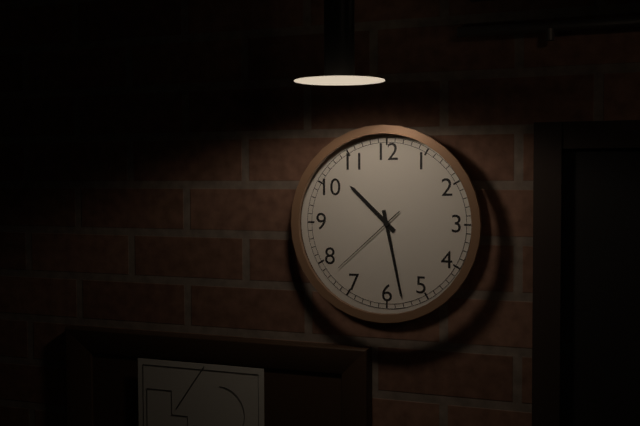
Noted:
10,28,38
